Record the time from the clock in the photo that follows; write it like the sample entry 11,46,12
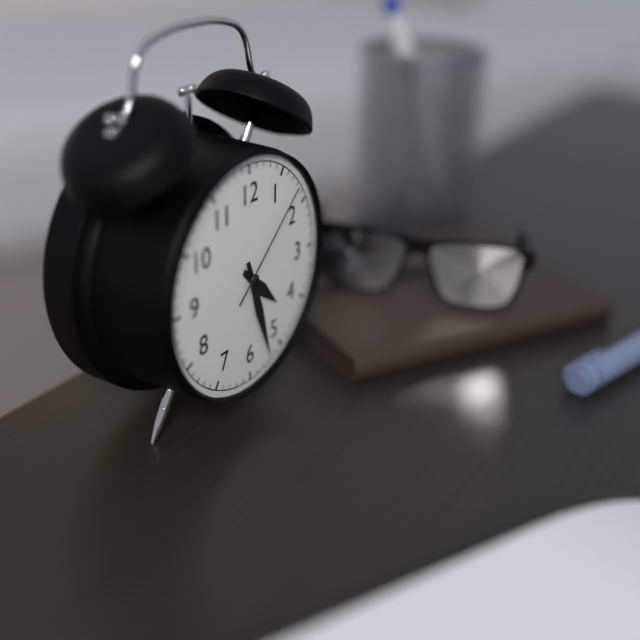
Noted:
4,27,08
